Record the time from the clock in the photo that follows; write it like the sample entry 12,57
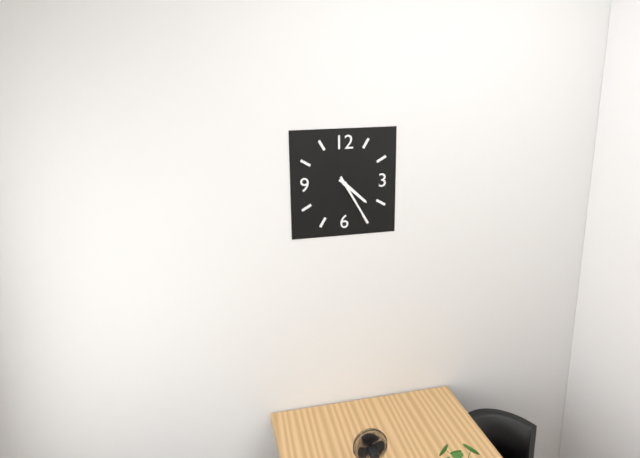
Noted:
4,25
